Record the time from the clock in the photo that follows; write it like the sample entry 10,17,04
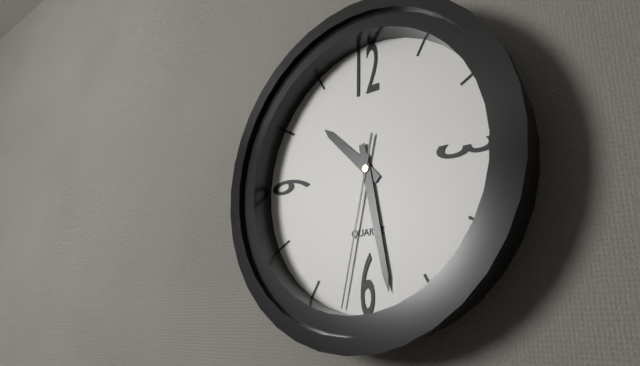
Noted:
10,28,32
